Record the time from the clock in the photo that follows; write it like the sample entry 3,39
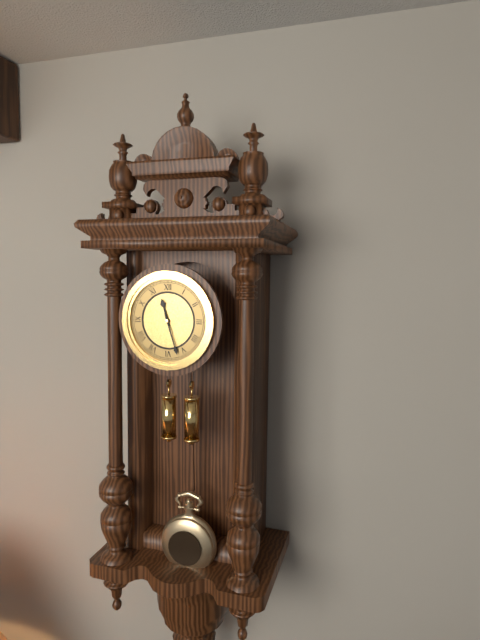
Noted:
11,27
